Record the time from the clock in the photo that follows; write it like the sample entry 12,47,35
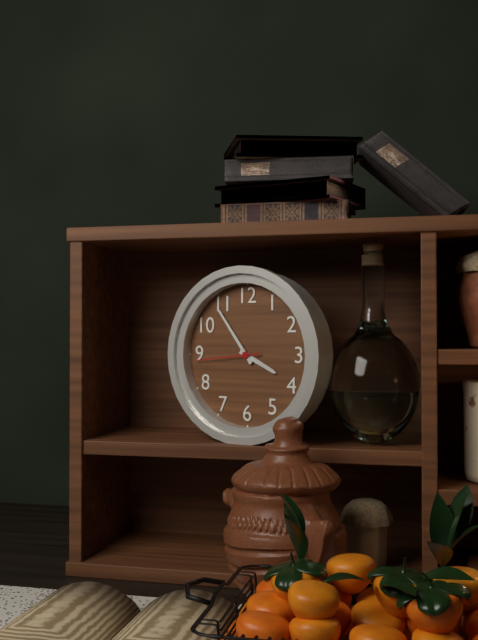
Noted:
3,54,44
